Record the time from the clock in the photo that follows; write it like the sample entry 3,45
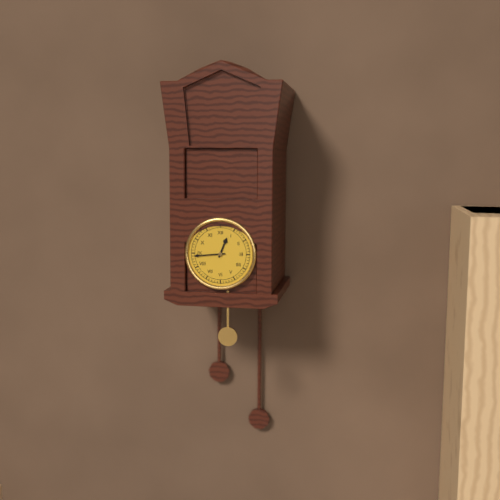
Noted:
12,44
